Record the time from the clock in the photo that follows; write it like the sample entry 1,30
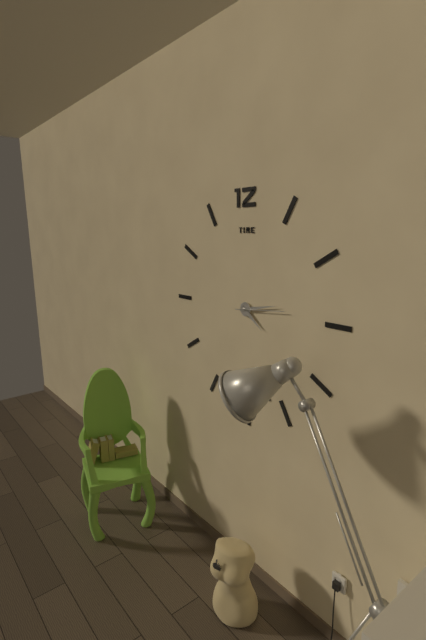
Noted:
4,13
